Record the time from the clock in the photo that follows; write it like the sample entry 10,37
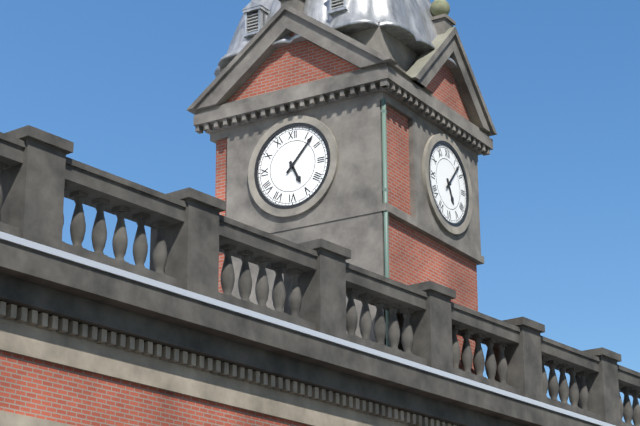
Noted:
5,07
